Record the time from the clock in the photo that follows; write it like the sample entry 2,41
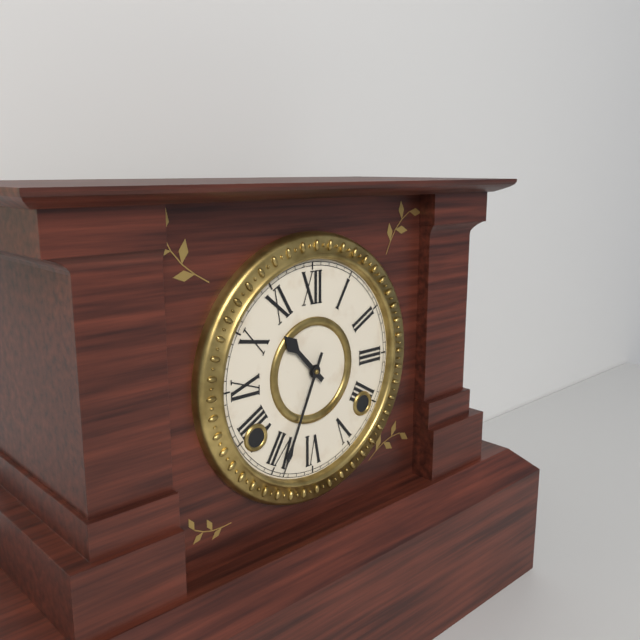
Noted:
10,34
